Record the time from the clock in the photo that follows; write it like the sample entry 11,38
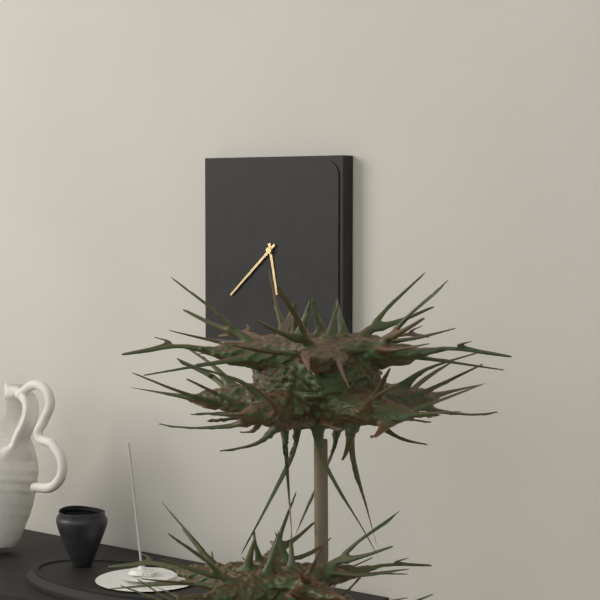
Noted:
5,38
